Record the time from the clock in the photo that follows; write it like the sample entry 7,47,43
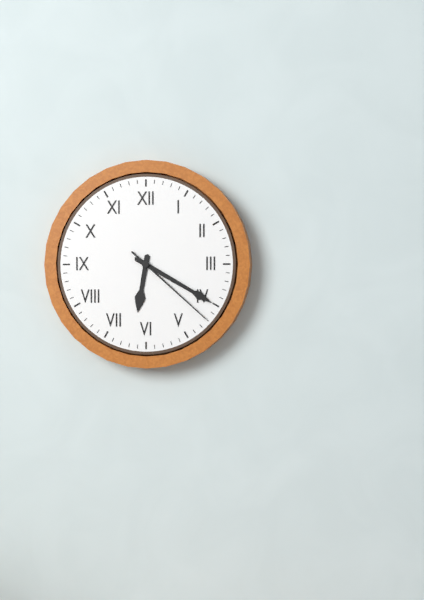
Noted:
6,20,22
